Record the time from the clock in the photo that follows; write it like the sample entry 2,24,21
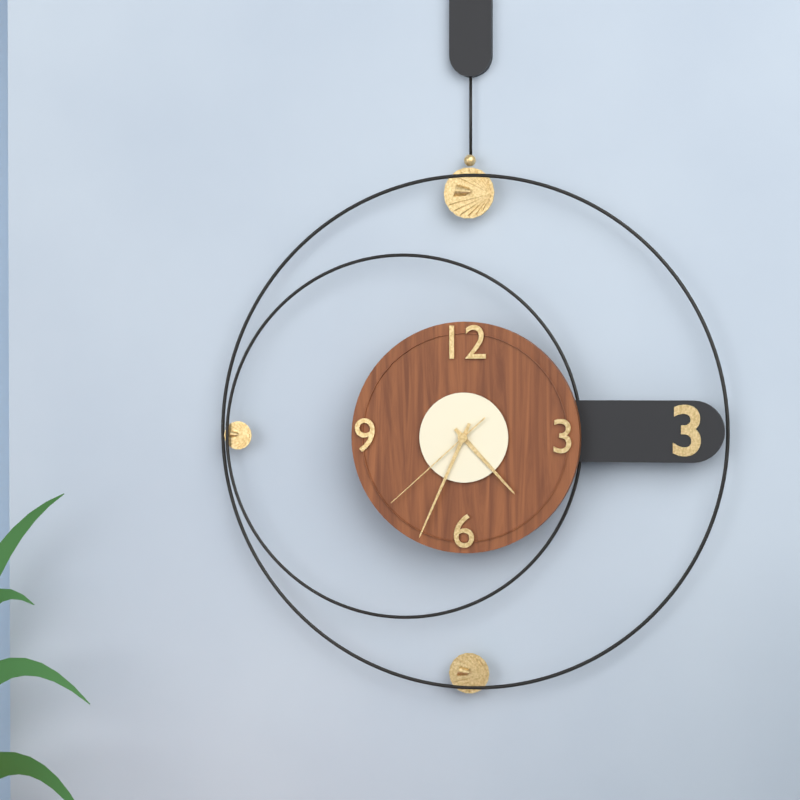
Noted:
4,34,38
